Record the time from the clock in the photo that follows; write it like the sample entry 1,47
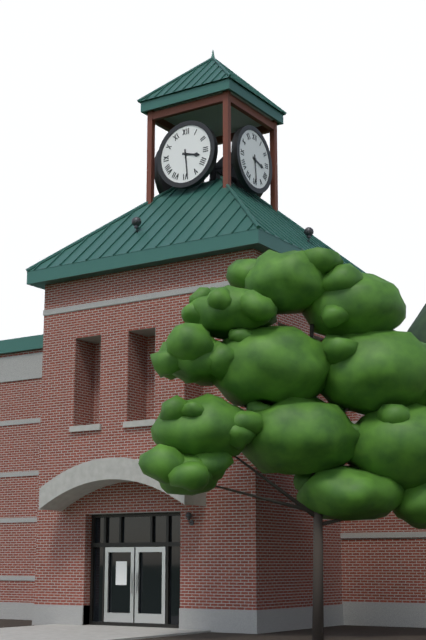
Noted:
3,29
